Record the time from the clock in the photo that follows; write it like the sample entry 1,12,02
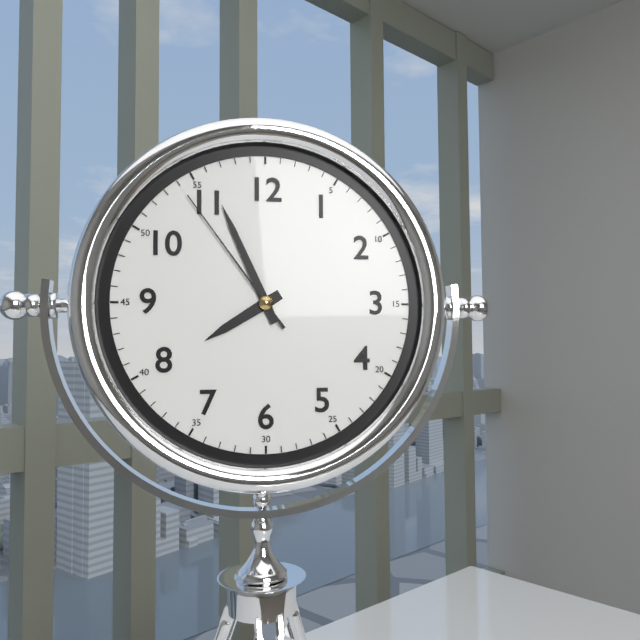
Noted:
7,56,54
